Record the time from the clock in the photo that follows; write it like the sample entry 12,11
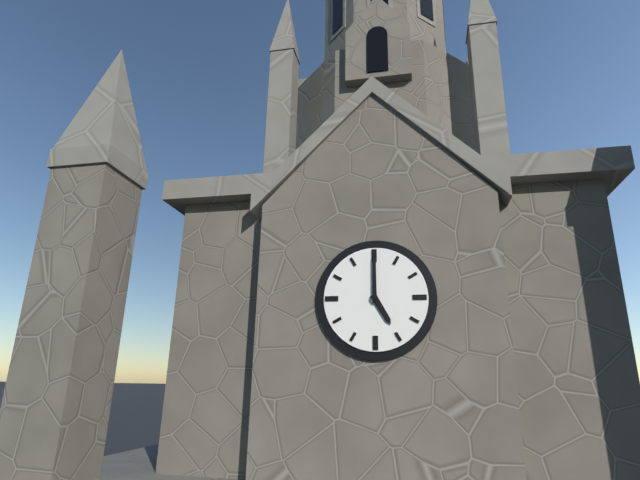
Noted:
5,00
